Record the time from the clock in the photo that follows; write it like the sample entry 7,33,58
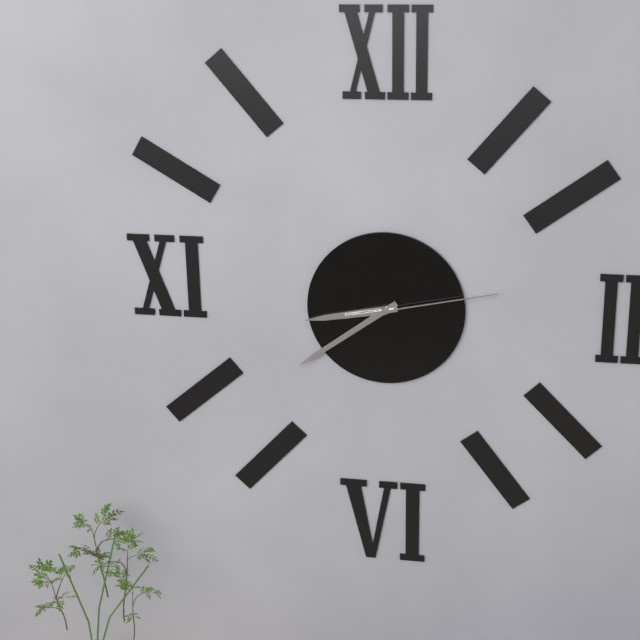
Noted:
8,39,13
